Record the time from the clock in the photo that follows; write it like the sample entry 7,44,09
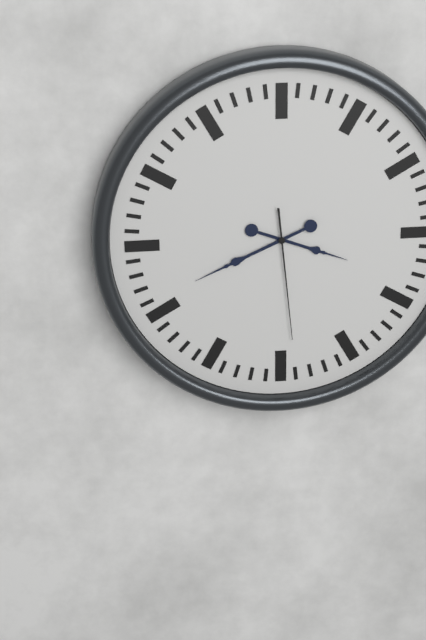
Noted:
3,41,29
